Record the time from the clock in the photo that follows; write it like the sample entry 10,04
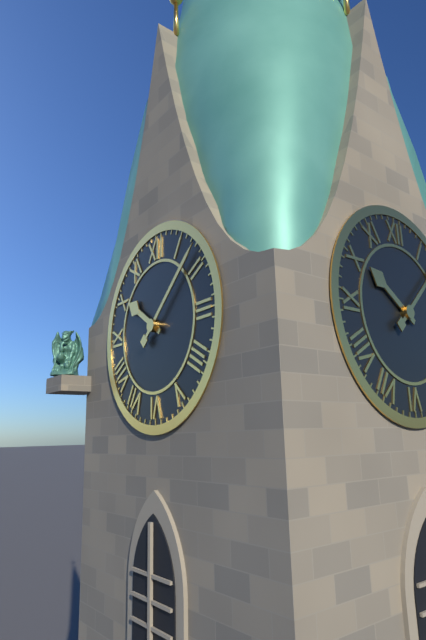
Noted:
10,08
